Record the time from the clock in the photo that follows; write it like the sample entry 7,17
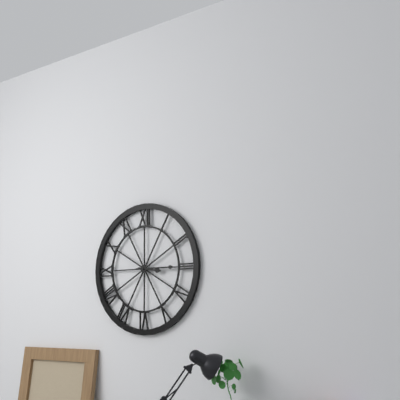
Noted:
3,15
